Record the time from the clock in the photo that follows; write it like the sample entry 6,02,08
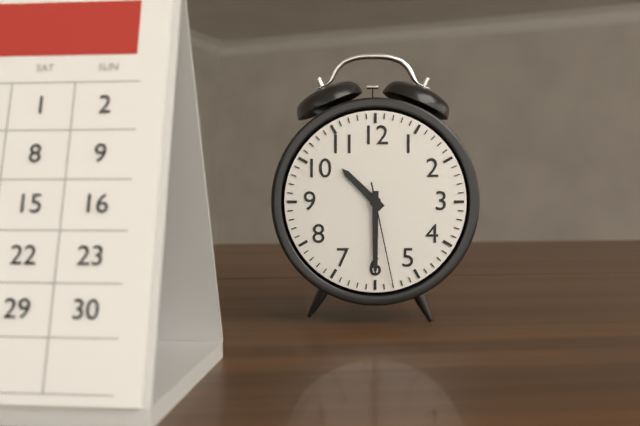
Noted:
10,30,28
